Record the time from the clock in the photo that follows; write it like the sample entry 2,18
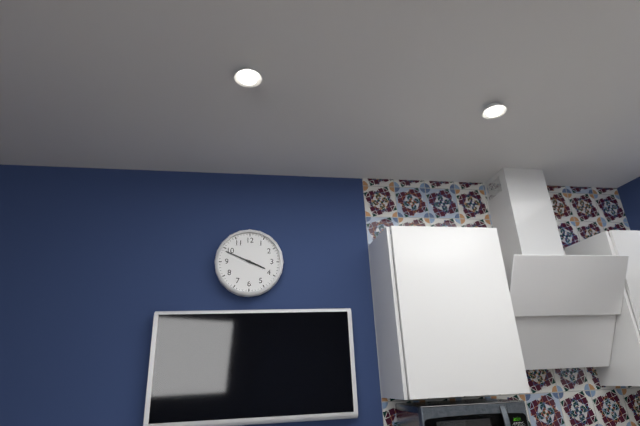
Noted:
3,49
